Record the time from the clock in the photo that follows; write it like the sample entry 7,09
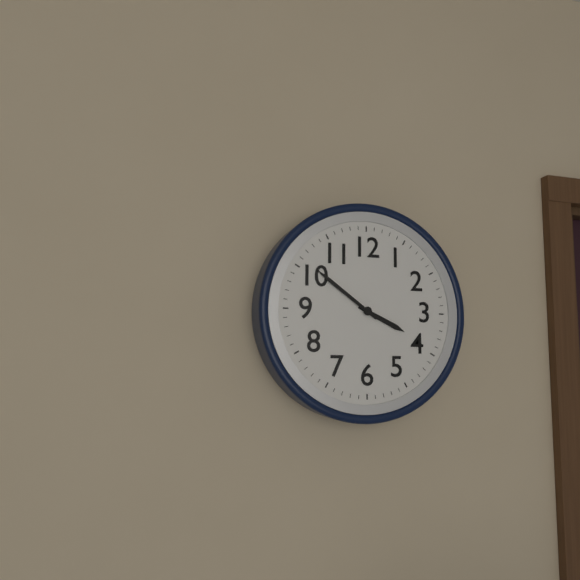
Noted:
3,51
